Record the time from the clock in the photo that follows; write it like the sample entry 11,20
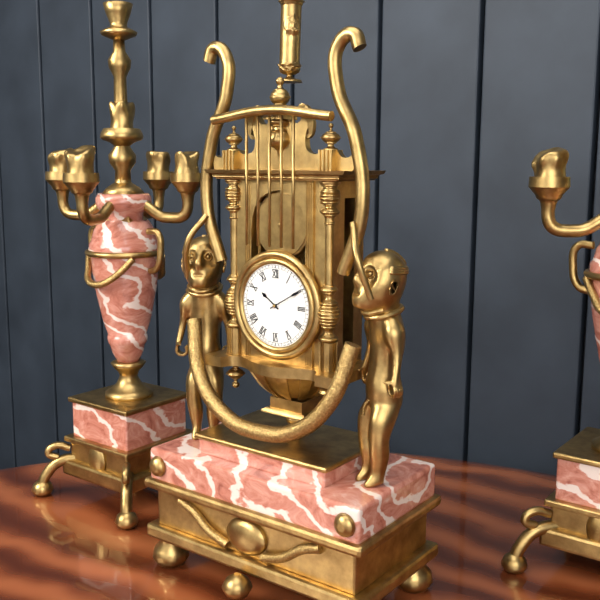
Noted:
10,10
